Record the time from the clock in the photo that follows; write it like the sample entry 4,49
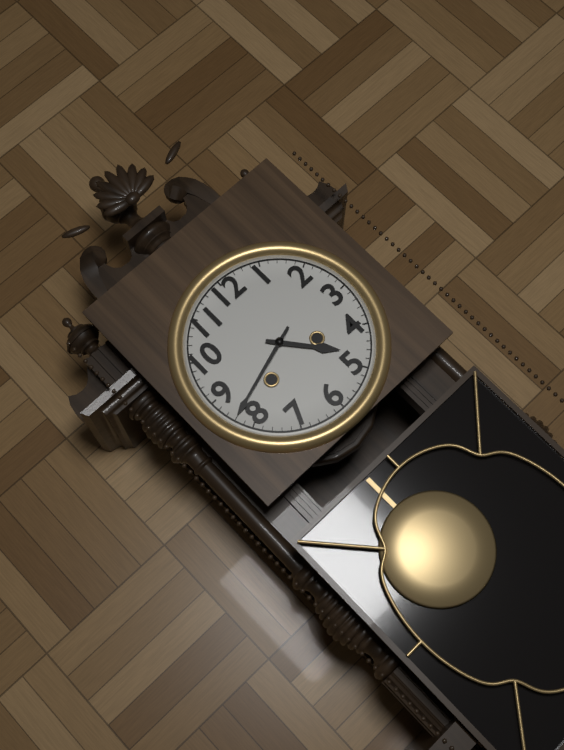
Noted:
4,42
